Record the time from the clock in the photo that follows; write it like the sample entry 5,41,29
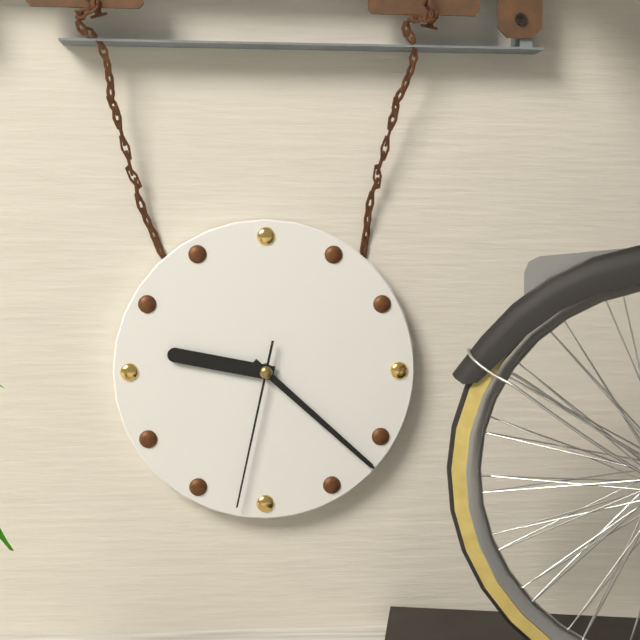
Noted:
9,22,32
